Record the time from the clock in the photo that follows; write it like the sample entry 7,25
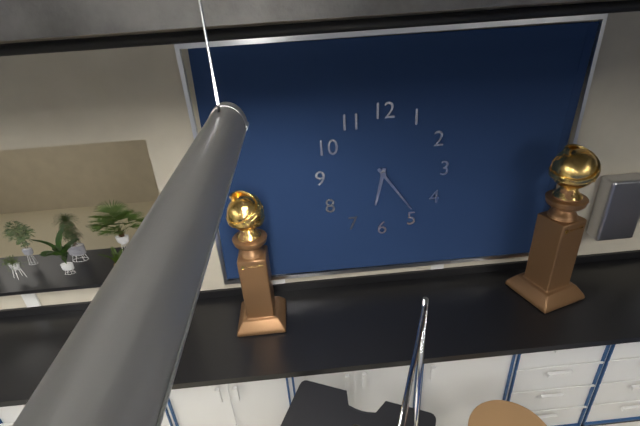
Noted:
6,24
